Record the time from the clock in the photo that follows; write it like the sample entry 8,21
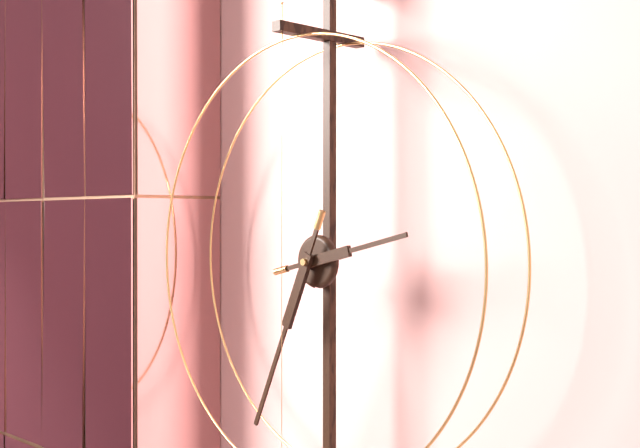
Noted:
2,34
